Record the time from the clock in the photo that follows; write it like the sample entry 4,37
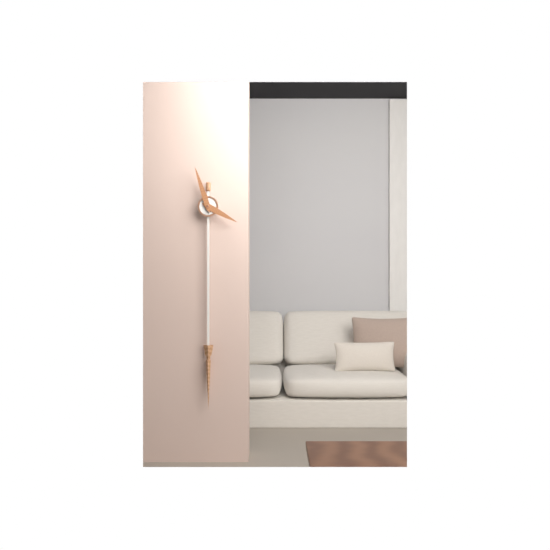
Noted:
3,57
